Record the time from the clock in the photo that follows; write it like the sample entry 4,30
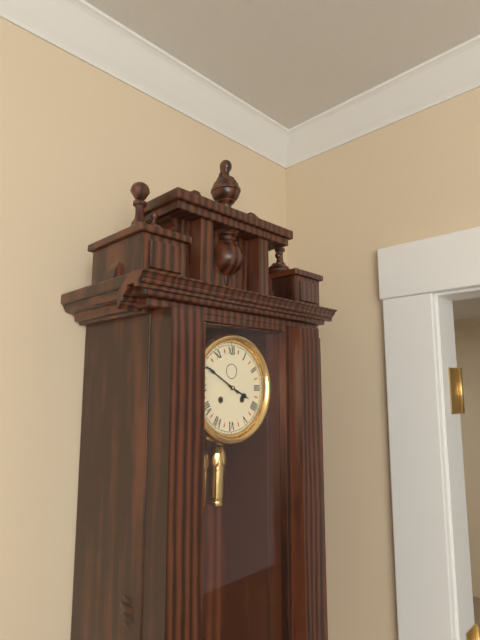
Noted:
3,50
